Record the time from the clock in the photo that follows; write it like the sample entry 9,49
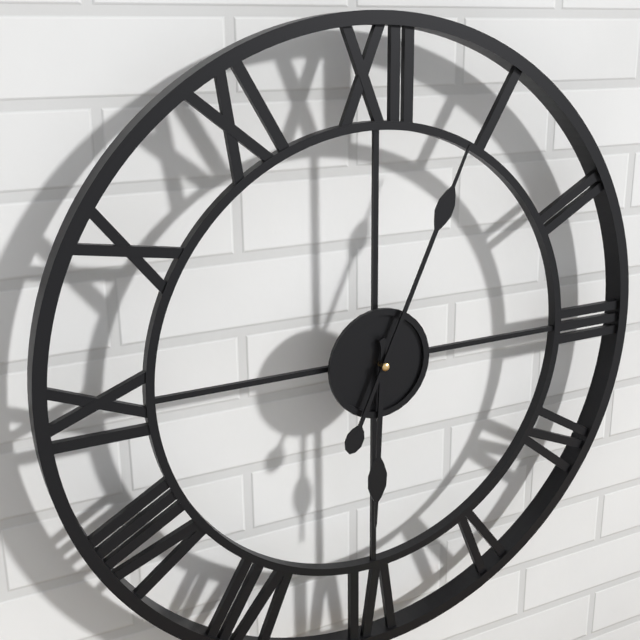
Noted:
6,04
